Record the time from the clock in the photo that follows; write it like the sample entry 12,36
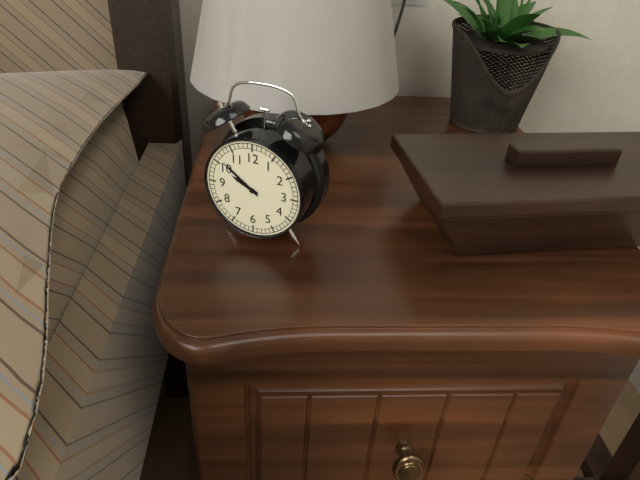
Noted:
9,51
